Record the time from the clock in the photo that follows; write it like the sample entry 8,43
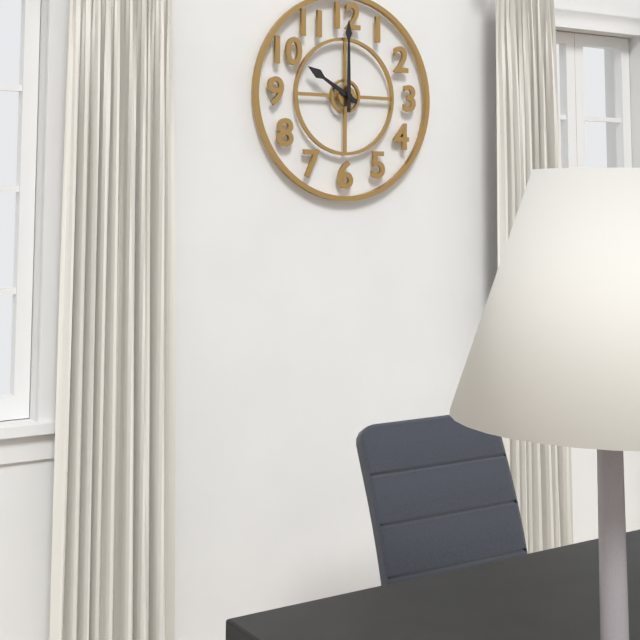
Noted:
10,00
